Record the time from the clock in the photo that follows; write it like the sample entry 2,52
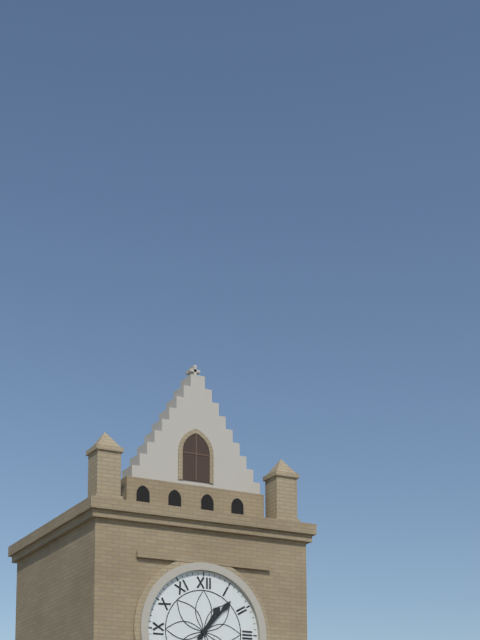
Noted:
1,07
